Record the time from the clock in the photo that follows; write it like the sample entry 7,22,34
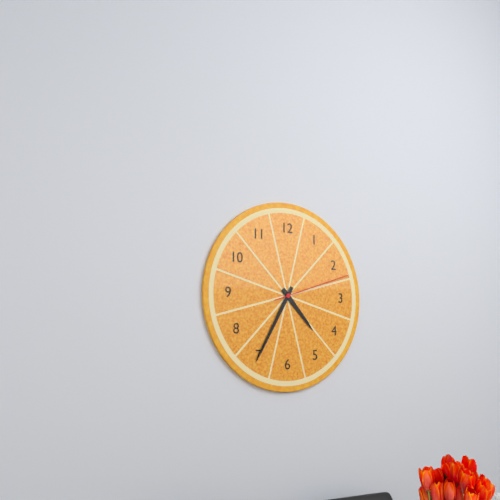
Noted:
4,35,12
